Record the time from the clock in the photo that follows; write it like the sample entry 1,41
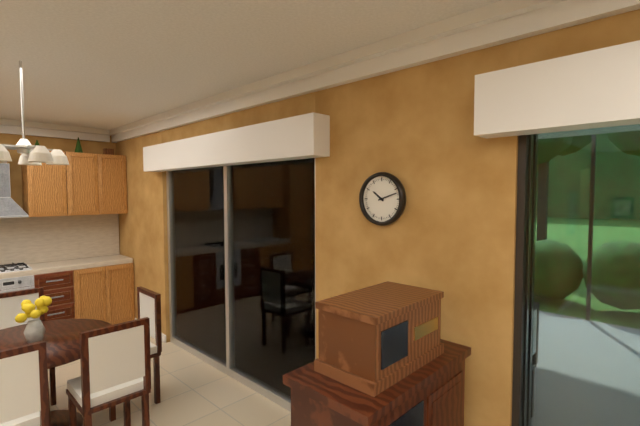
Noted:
10,12
